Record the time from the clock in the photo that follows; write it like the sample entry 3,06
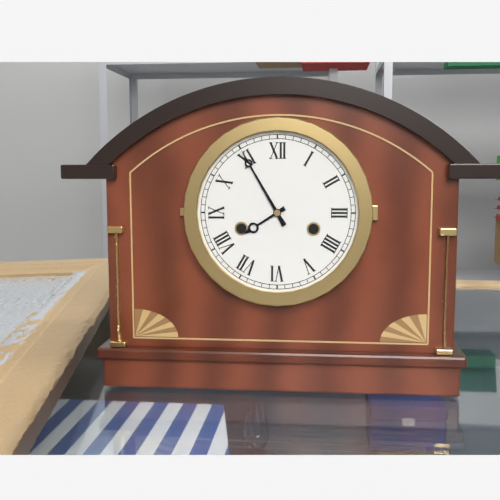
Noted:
7,55
